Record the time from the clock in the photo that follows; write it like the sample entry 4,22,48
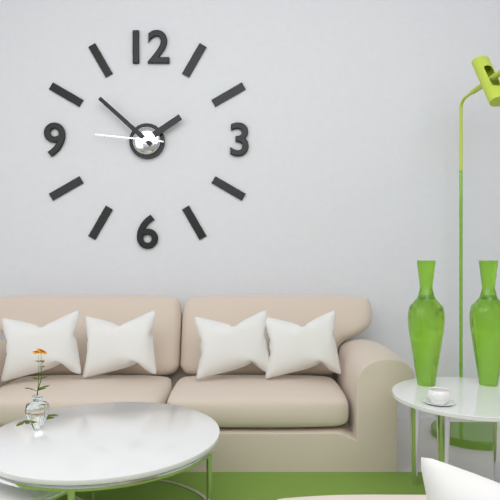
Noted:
1,52,46
